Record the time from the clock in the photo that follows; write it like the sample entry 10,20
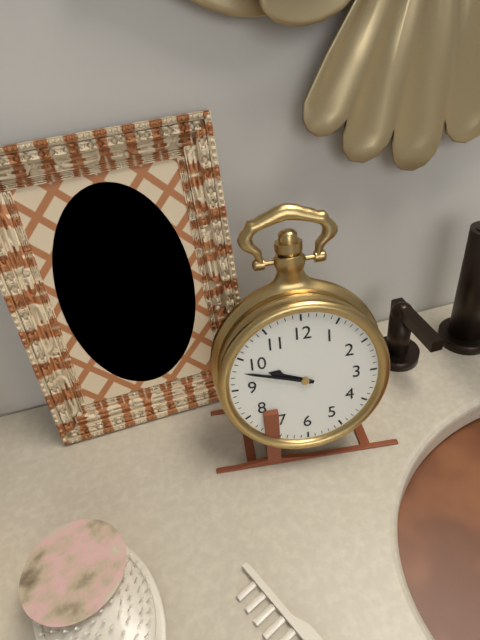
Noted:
9,48
